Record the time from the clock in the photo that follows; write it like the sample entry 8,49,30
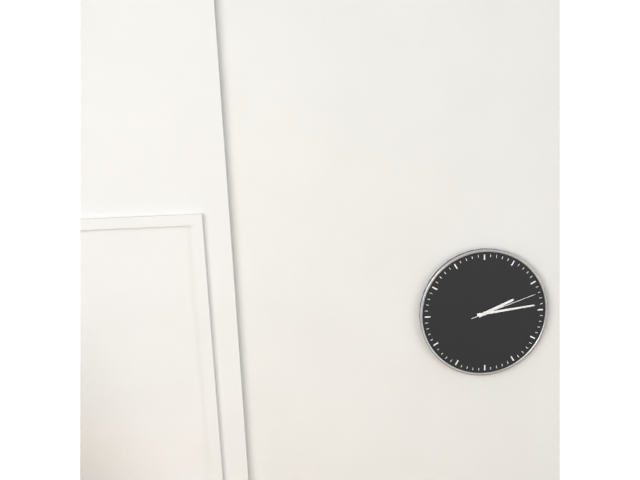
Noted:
2,14,12
